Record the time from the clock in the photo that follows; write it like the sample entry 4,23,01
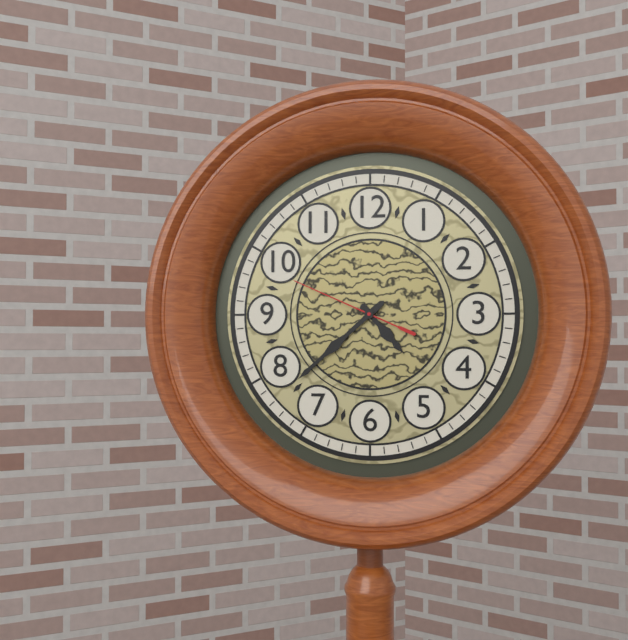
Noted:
4,38,49
